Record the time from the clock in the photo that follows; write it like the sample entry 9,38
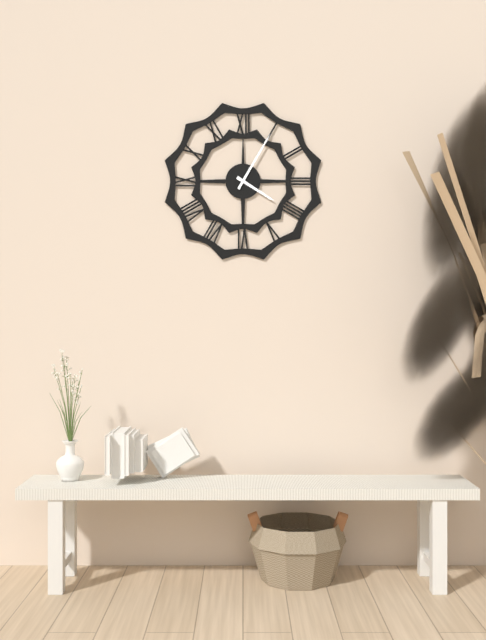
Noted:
4,05
